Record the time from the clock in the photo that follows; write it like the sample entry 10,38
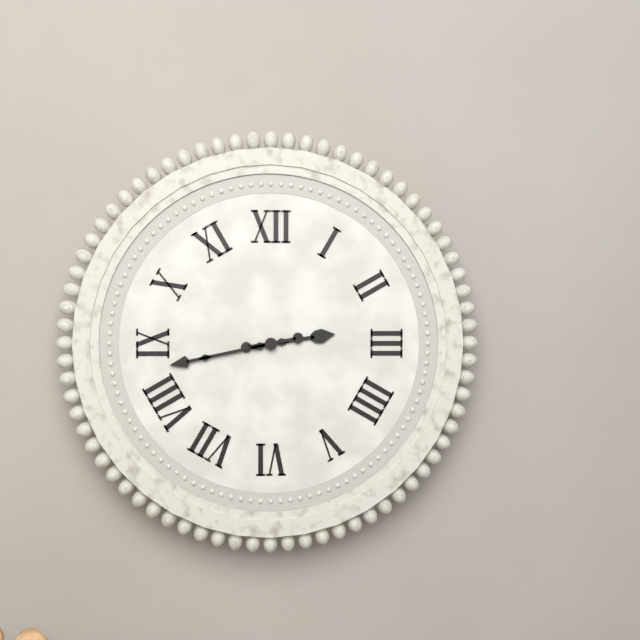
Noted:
2,43
